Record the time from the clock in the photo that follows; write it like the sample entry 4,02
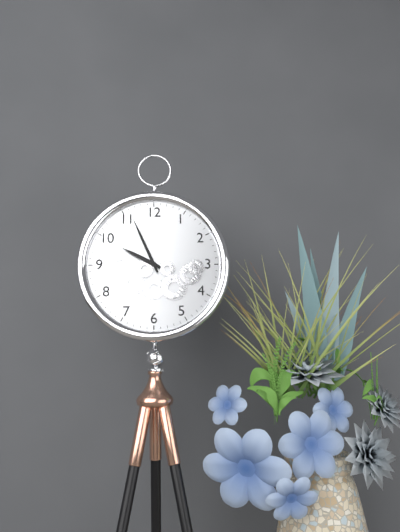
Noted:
9,56
